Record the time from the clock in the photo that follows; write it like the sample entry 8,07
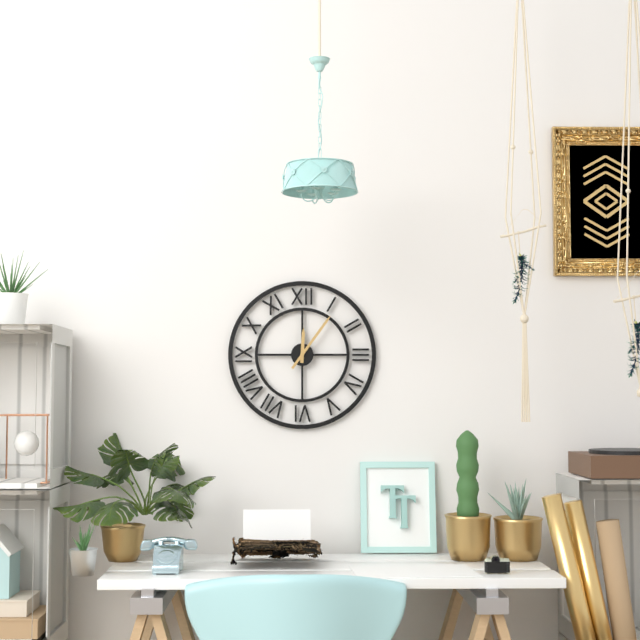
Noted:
12,06
